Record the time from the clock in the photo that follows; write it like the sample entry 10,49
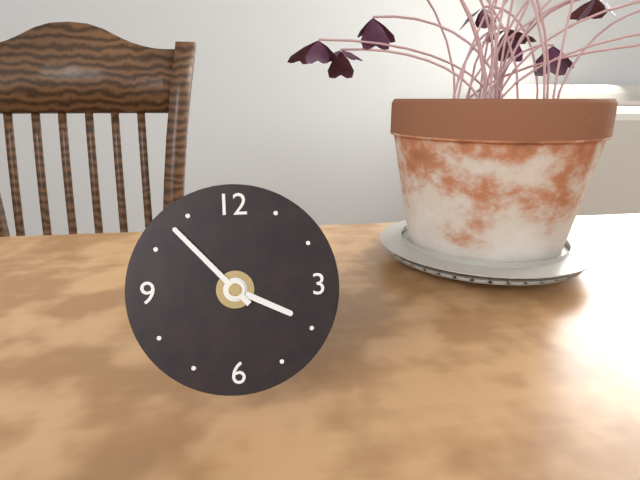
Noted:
3,53
